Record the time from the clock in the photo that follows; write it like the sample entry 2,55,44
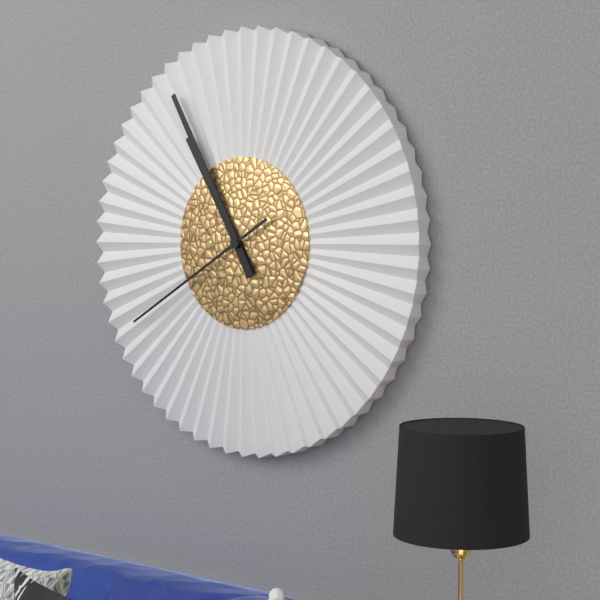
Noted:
10,55,40
